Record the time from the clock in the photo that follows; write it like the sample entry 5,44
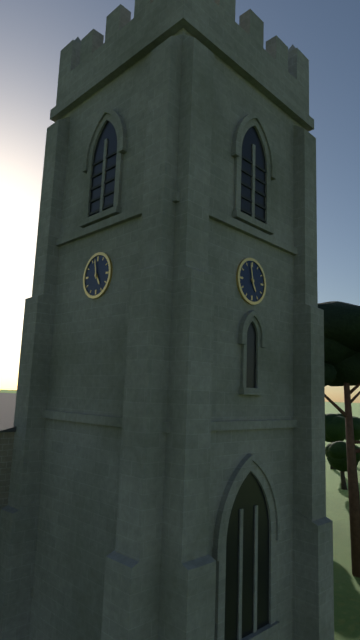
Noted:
4,58
